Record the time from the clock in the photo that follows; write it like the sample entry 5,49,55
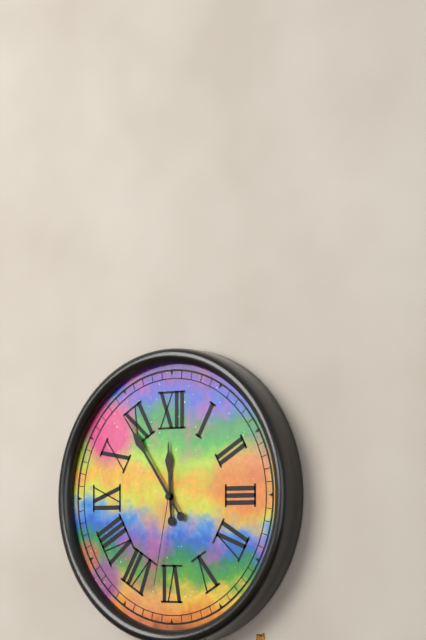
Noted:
11,54,32
